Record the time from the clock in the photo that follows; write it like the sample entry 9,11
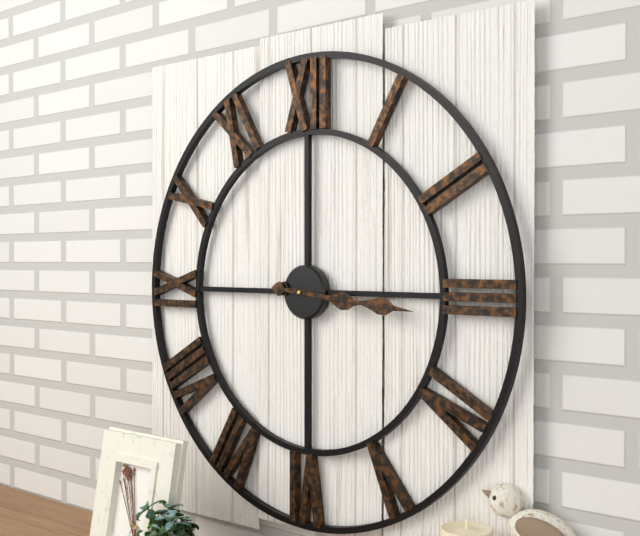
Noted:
3,16
